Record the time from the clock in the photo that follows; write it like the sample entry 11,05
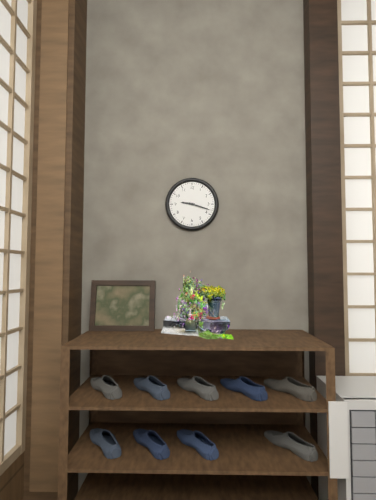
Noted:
9,18
